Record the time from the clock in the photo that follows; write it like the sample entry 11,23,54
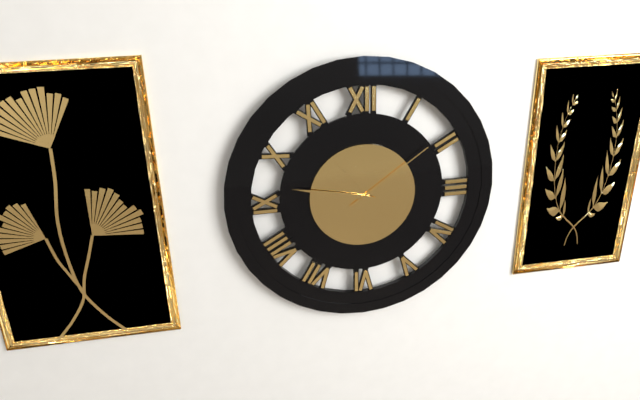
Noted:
10,47,09
